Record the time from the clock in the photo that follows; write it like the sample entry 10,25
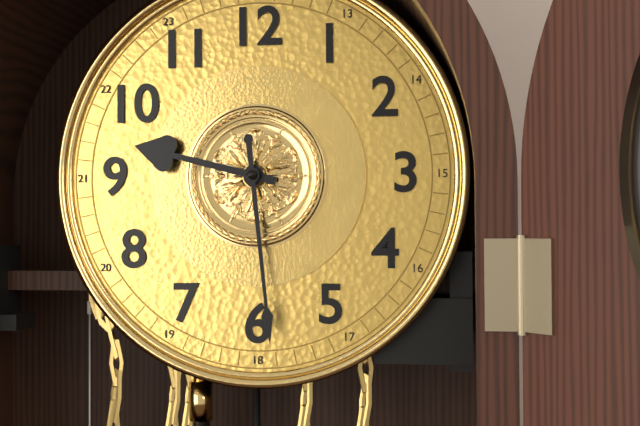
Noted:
9,29
